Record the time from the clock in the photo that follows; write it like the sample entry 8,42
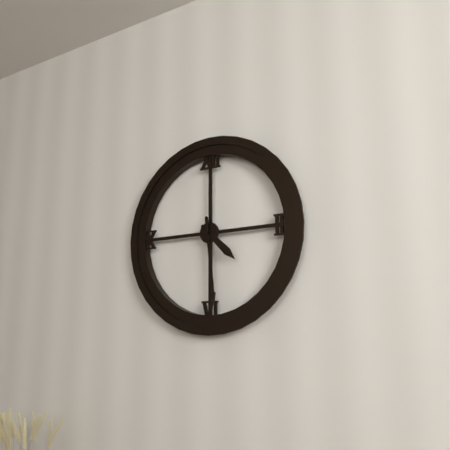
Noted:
4,29
